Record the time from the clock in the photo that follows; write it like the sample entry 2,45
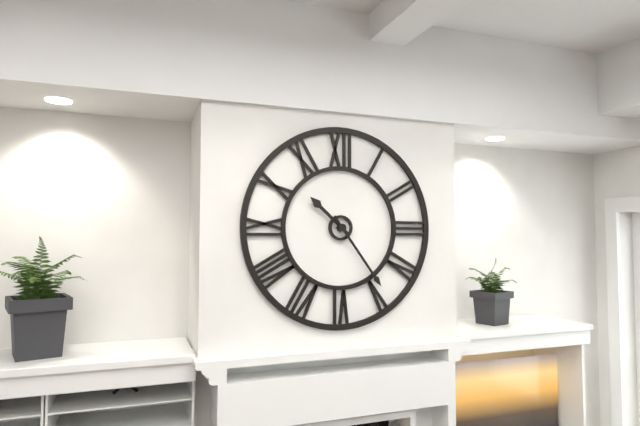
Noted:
10,24
